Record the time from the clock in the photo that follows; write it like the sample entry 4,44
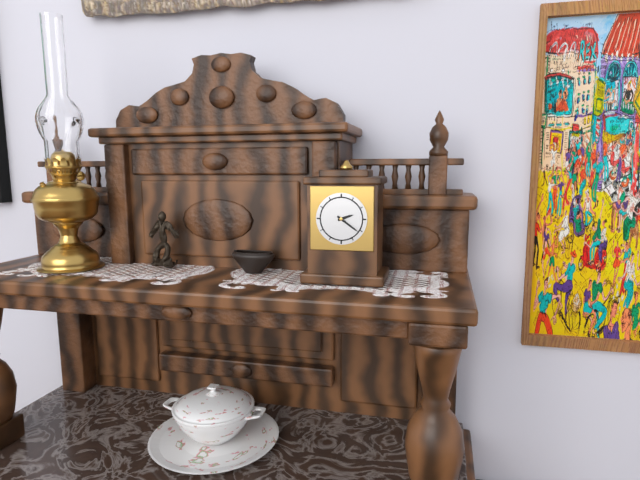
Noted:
2,21
